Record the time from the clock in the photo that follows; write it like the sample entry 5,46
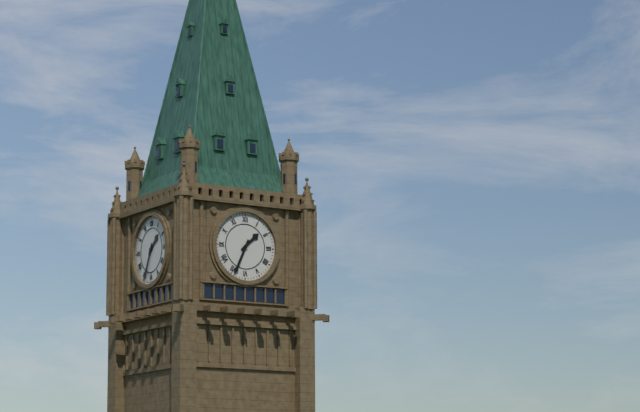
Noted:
1,34
